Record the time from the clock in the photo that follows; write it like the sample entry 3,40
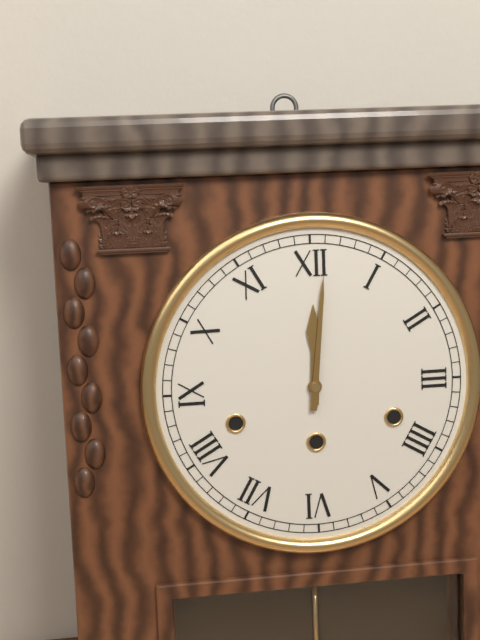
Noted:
12,01
